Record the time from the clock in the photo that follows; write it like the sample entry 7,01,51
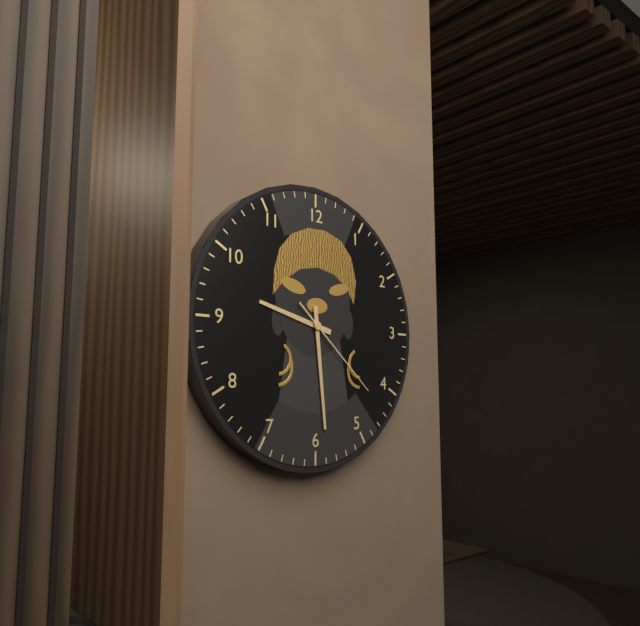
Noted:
9,29,22
